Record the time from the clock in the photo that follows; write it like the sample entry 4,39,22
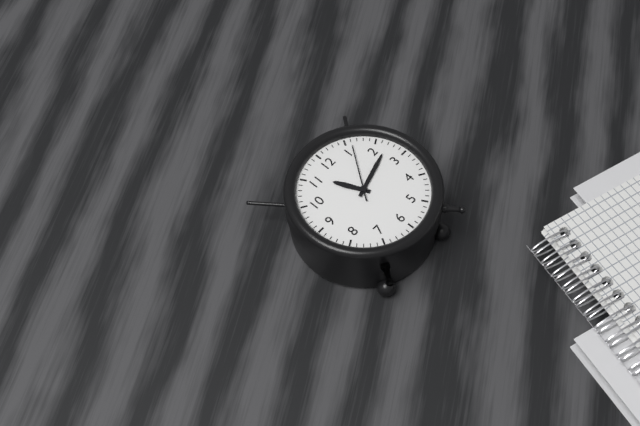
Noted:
11,12,06
